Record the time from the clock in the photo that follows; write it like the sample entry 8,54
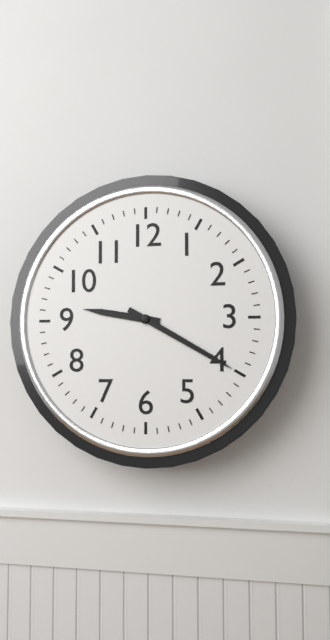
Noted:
9,20
